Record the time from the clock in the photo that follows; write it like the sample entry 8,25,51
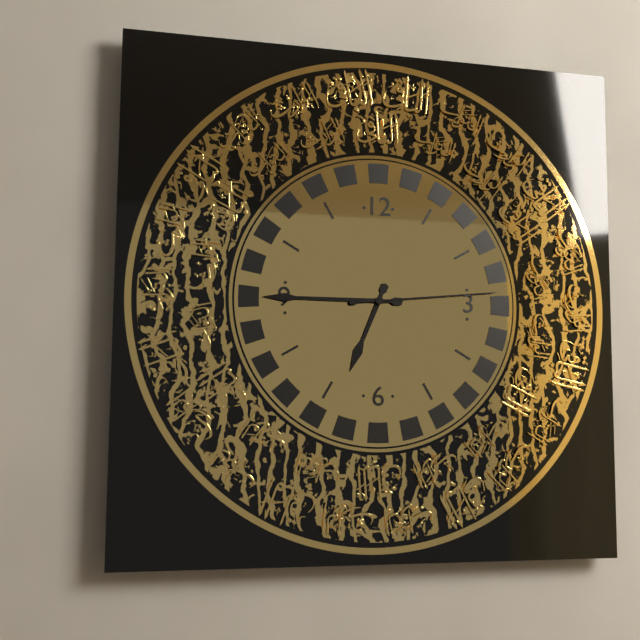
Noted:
6,45,14
